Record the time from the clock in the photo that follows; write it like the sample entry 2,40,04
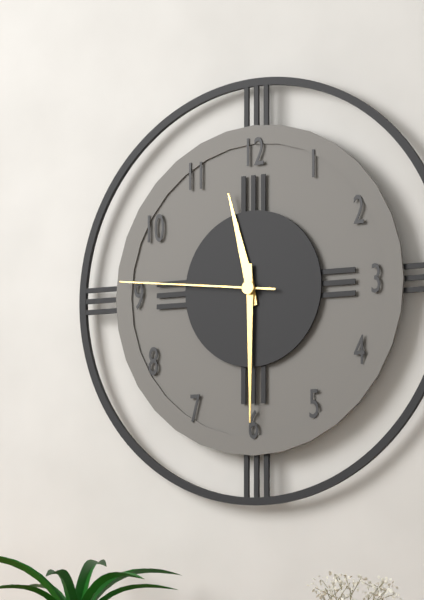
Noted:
11,30,46
